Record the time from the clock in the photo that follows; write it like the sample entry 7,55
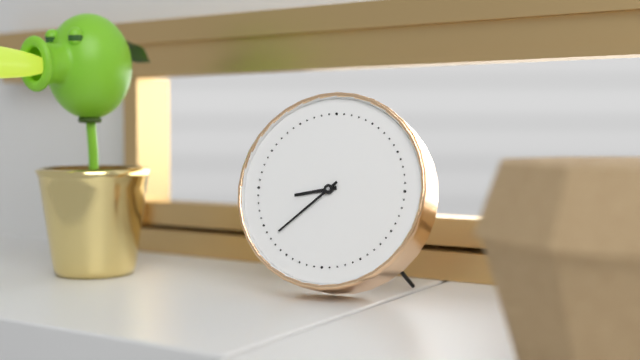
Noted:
8,38
